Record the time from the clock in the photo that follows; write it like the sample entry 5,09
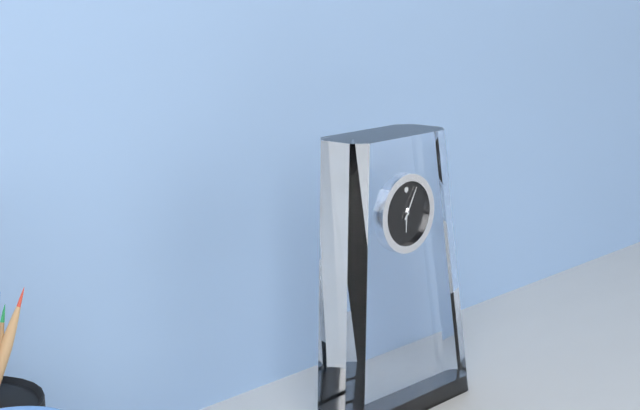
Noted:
6,05
